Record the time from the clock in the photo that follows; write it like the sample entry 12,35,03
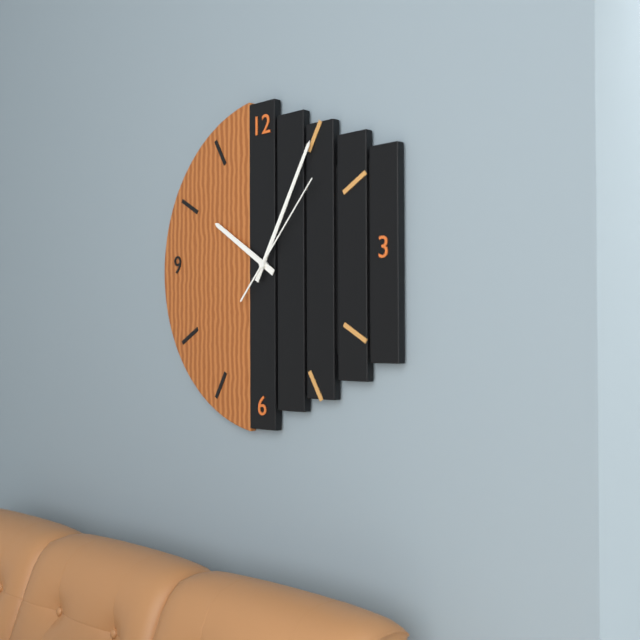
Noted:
10,05,07
